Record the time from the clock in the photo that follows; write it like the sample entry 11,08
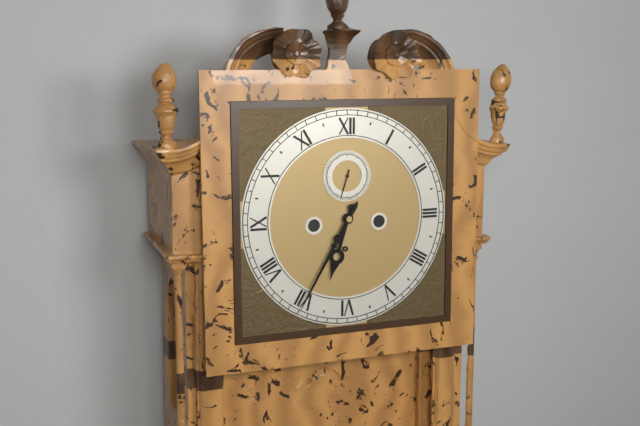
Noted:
6,35
